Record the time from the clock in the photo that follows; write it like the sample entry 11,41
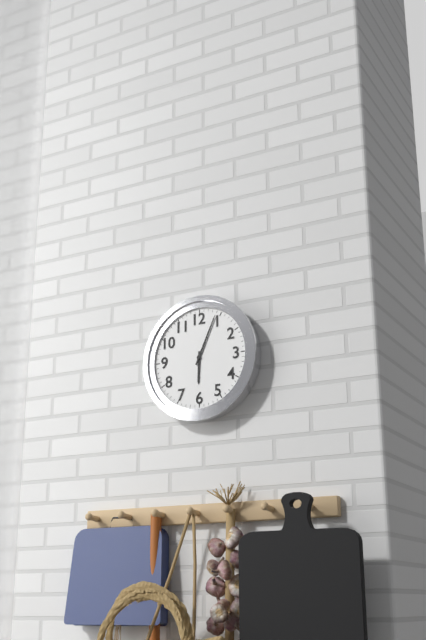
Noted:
6,04
